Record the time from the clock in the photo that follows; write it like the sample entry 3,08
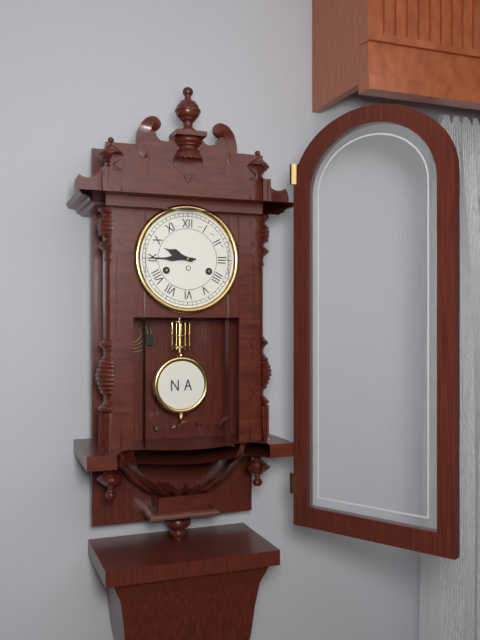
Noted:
9,45
